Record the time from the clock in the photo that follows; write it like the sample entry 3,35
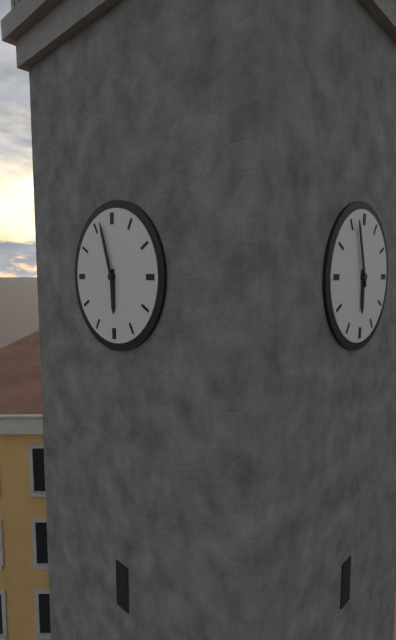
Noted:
5,57
